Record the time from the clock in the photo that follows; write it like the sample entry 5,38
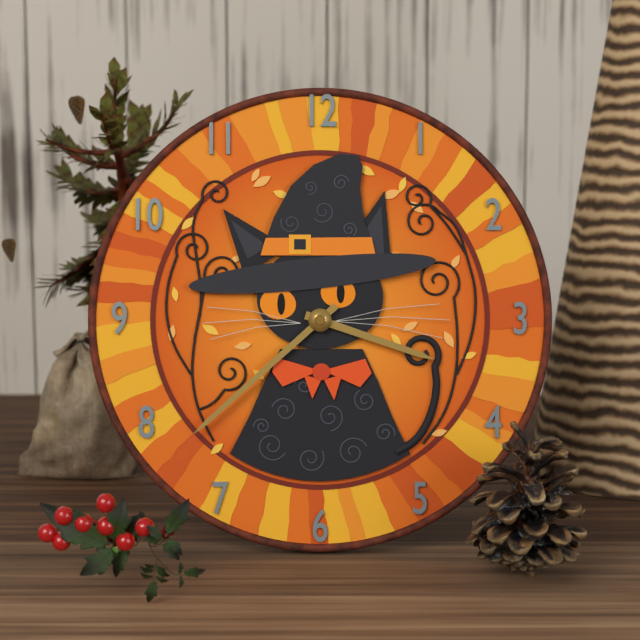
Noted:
3,38
